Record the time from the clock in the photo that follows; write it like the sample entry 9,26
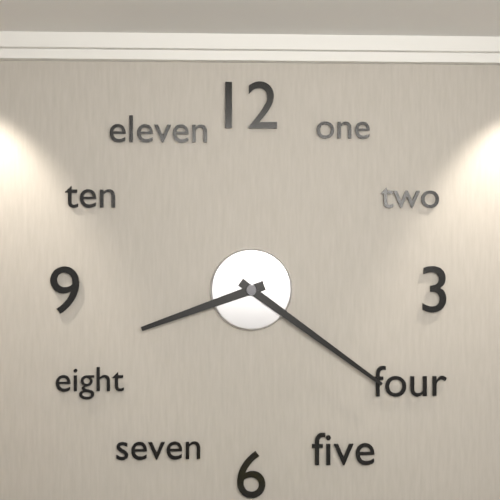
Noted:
8,21
